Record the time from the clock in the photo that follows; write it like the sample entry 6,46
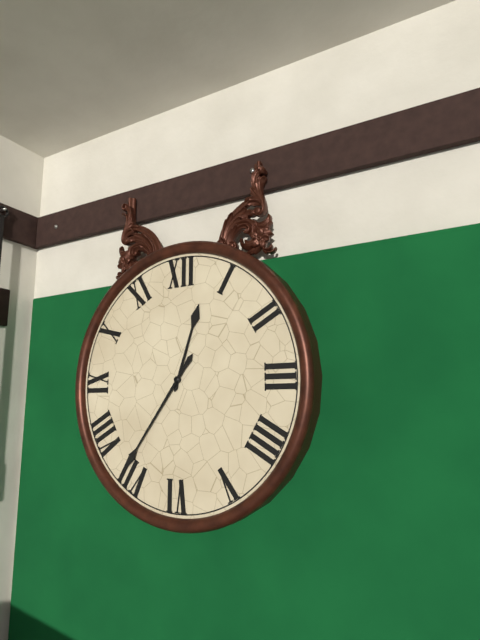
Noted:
12,36
